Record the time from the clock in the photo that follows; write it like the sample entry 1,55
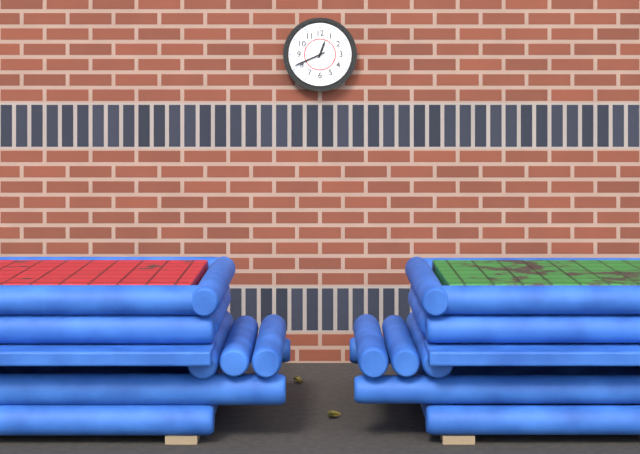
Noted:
12,41
